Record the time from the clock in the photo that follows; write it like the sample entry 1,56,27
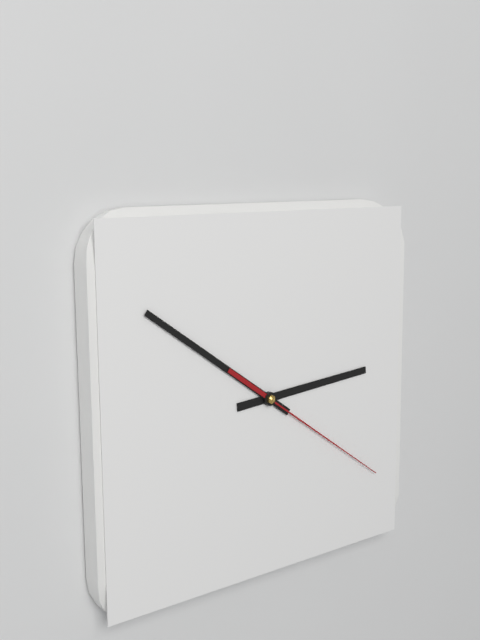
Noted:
2,51,21
